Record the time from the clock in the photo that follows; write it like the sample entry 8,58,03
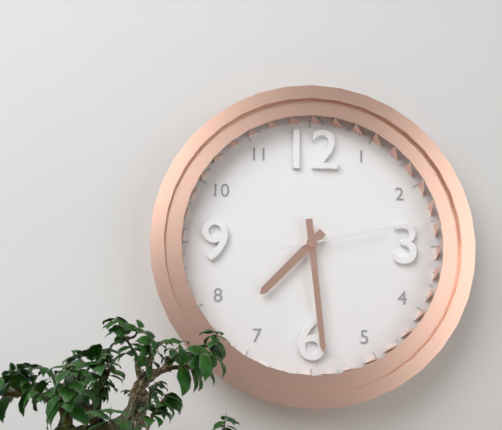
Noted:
7,29,13
